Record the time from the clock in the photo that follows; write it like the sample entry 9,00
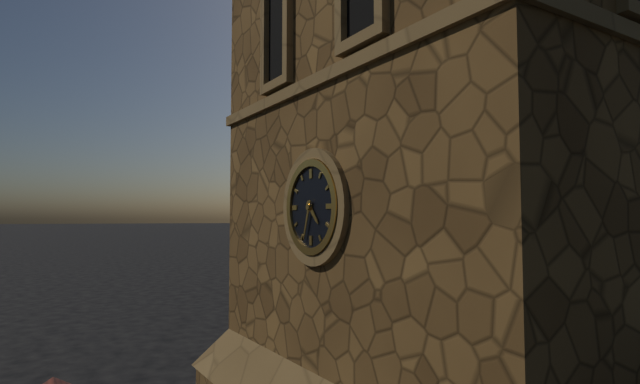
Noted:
4,33
